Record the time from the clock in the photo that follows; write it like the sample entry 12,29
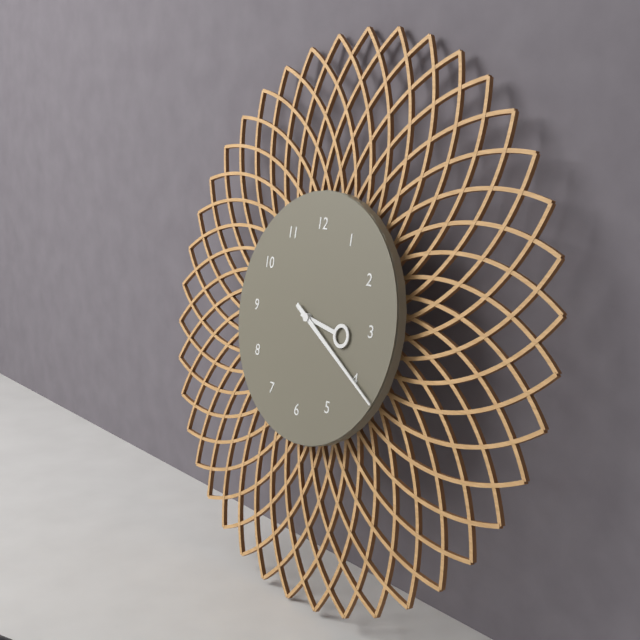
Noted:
3,20
